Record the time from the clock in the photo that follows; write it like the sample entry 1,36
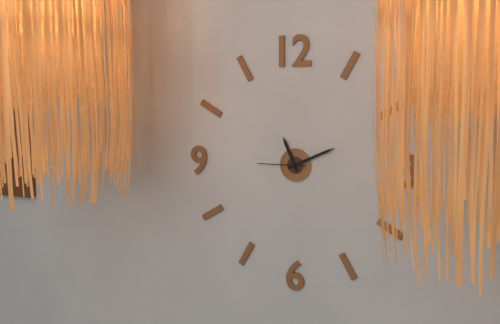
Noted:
11,11
